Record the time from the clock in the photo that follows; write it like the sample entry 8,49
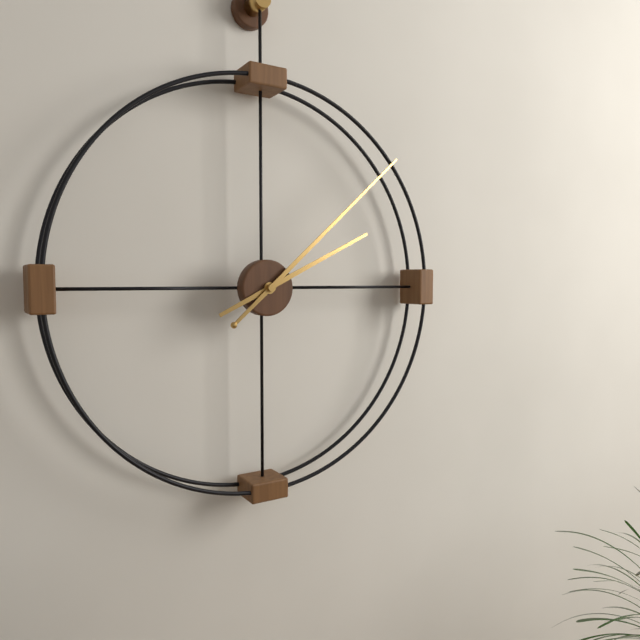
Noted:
2,08
